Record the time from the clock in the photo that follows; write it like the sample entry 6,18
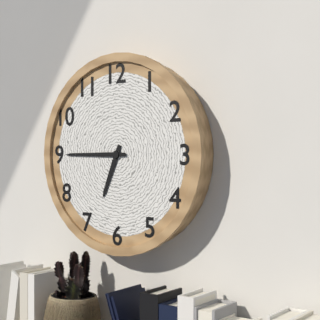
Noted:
6,45
